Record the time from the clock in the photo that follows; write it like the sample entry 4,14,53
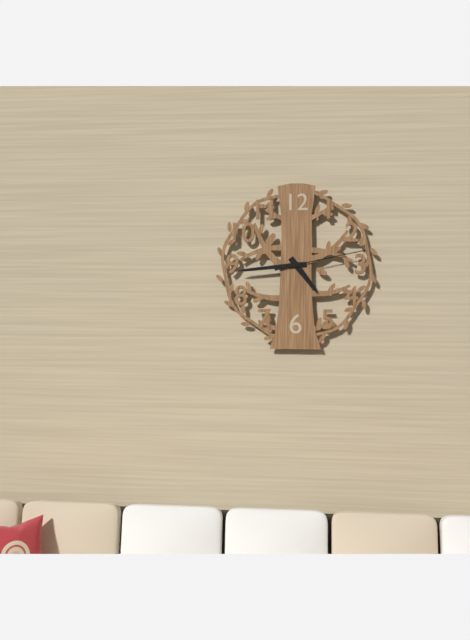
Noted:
4,44,13
